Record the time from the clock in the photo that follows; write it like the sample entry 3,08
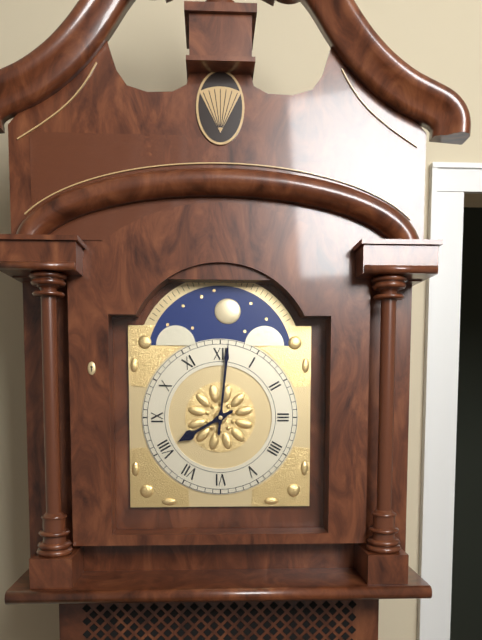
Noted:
8,01
